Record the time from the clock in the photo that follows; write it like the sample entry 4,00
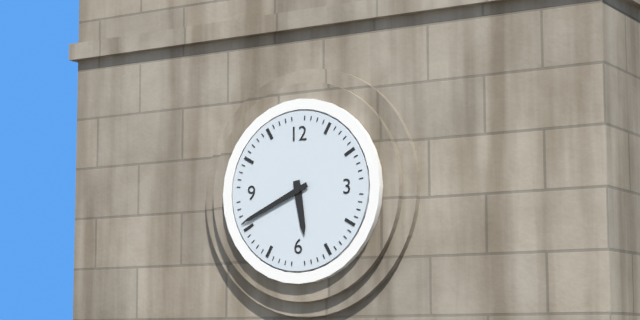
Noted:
5,41
